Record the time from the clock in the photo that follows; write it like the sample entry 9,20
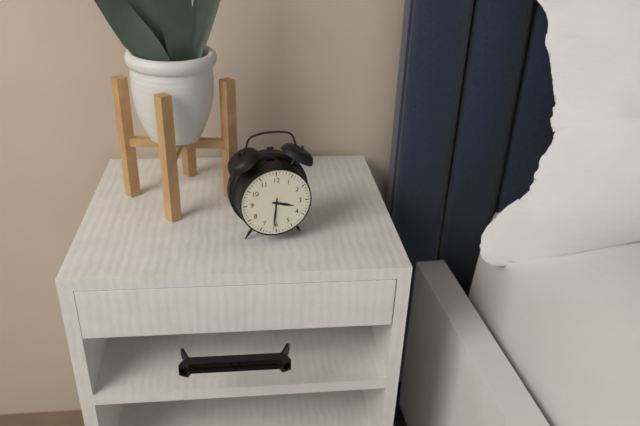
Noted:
3,31
